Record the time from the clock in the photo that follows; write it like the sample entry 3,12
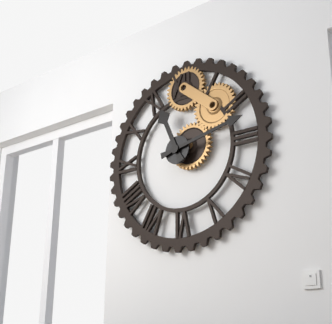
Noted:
11,13
